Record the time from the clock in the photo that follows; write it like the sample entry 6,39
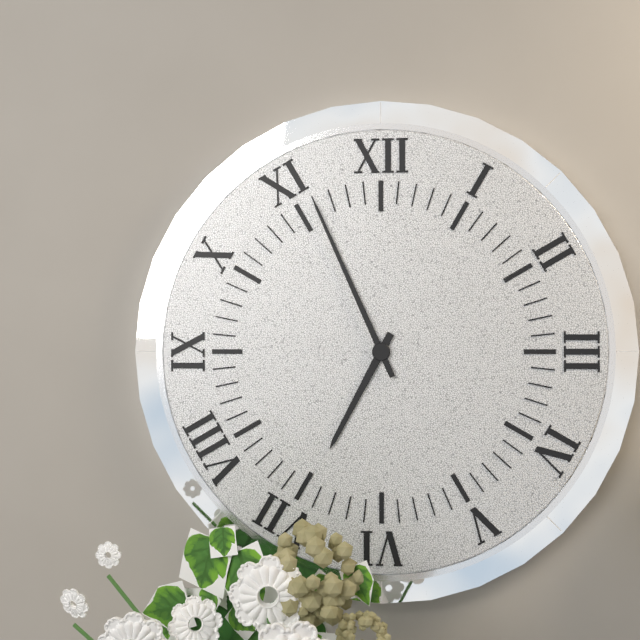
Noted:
6,56
